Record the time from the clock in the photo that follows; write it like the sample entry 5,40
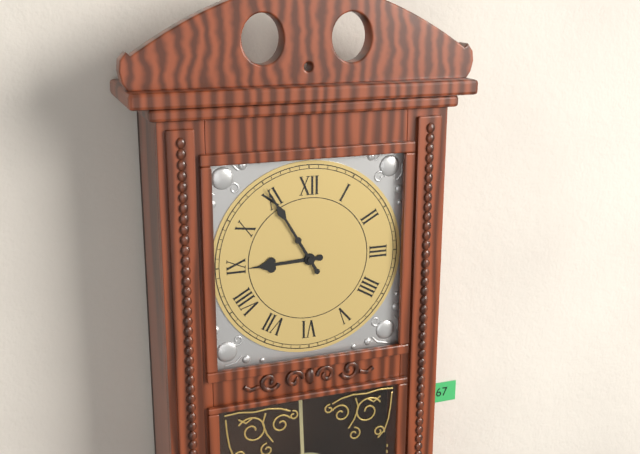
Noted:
8,55
